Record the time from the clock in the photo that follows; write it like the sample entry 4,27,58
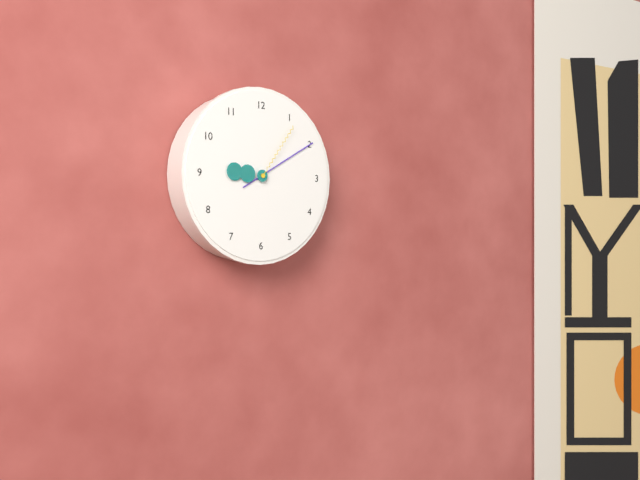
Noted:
9,10,06
